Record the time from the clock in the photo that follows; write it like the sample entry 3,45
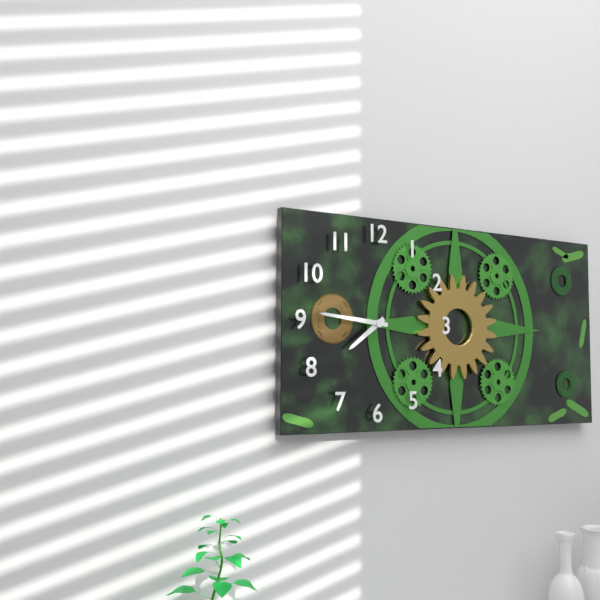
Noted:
7,46
